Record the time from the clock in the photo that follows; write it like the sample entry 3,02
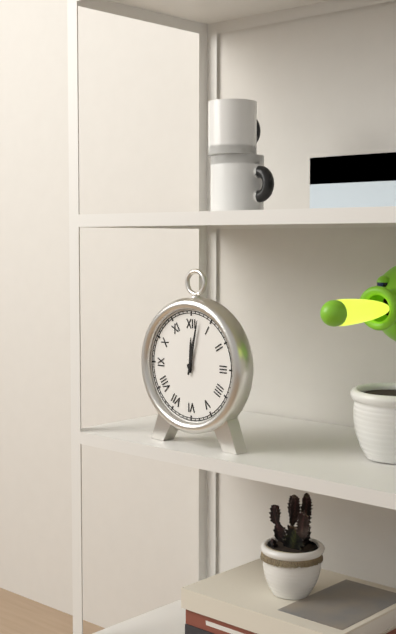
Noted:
12,02
